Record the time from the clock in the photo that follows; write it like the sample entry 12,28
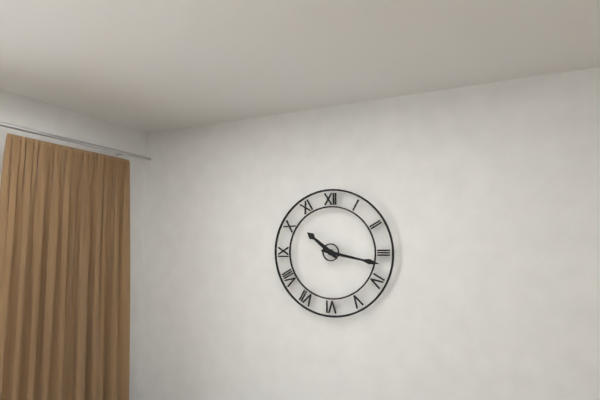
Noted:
10,17
